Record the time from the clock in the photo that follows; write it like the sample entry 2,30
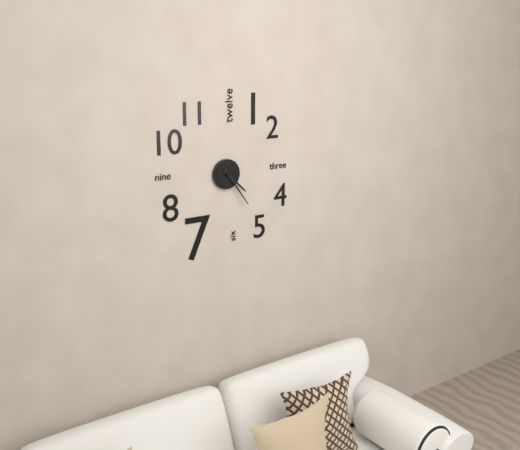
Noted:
4,24
